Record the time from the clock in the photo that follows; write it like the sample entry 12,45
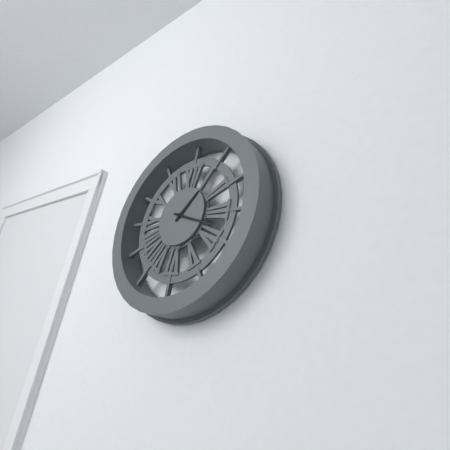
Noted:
1,18
